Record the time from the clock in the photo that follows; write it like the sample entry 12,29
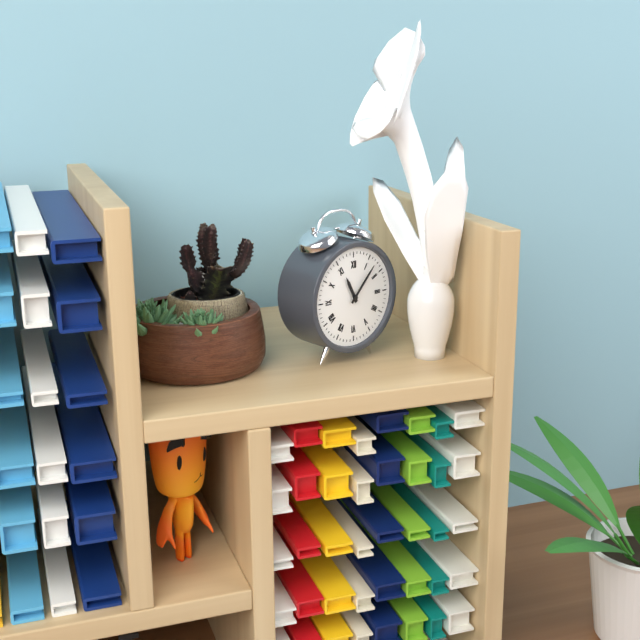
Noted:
11,07
